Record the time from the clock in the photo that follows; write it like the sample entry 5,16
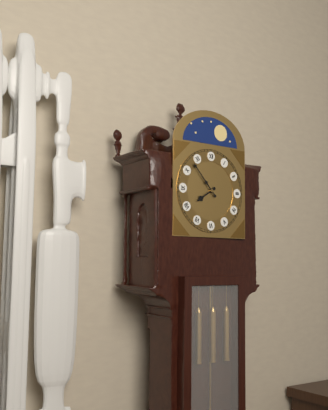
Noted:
7,53
